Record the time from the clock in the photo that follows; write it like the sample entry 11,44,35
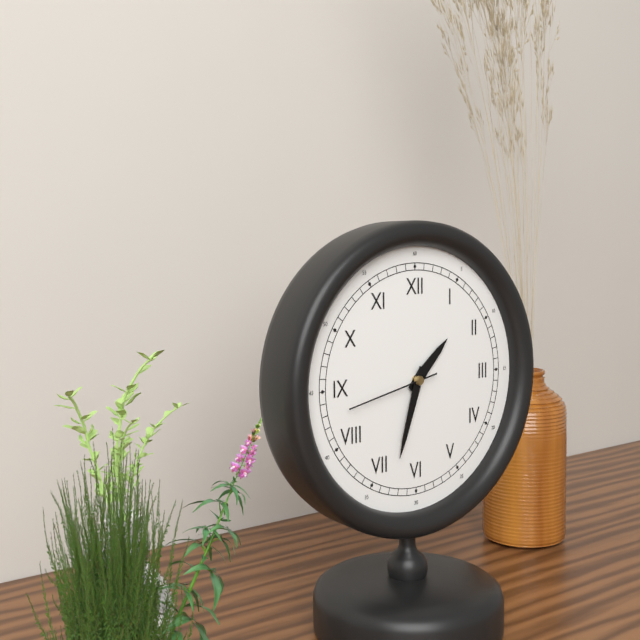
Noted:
1,33,43
